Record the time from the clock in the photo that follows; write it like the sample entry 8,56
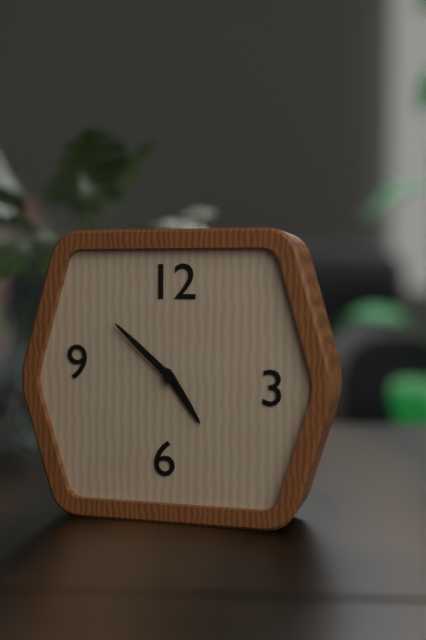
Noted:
4,52
